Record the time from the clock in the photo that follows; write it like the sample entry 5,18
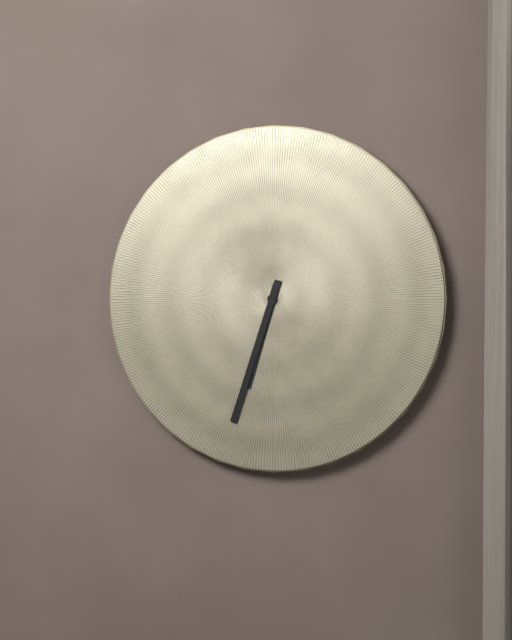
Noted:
6,33
